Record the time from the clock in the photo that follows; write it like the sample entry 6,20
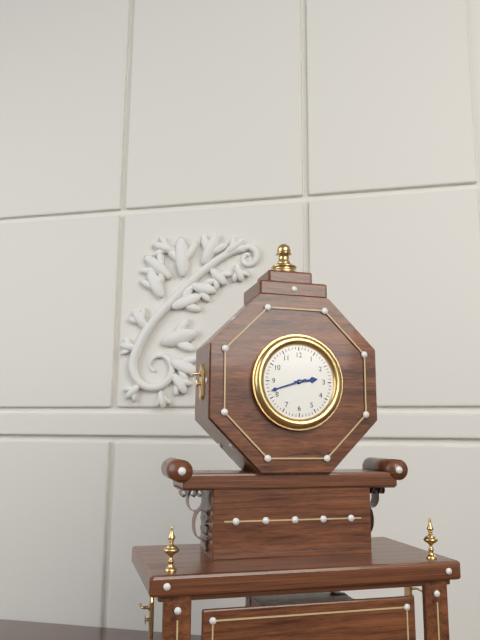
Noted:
2,42
